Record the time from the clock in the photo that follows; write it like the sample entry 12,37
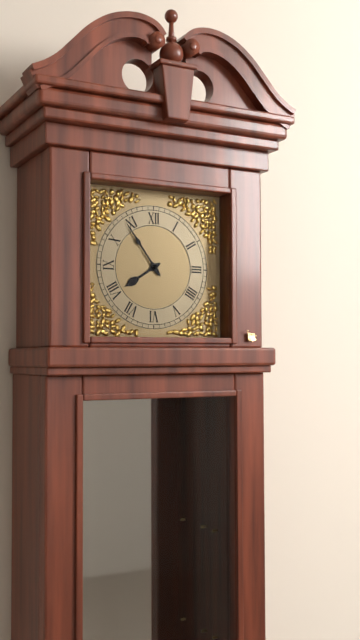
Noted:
7,54
